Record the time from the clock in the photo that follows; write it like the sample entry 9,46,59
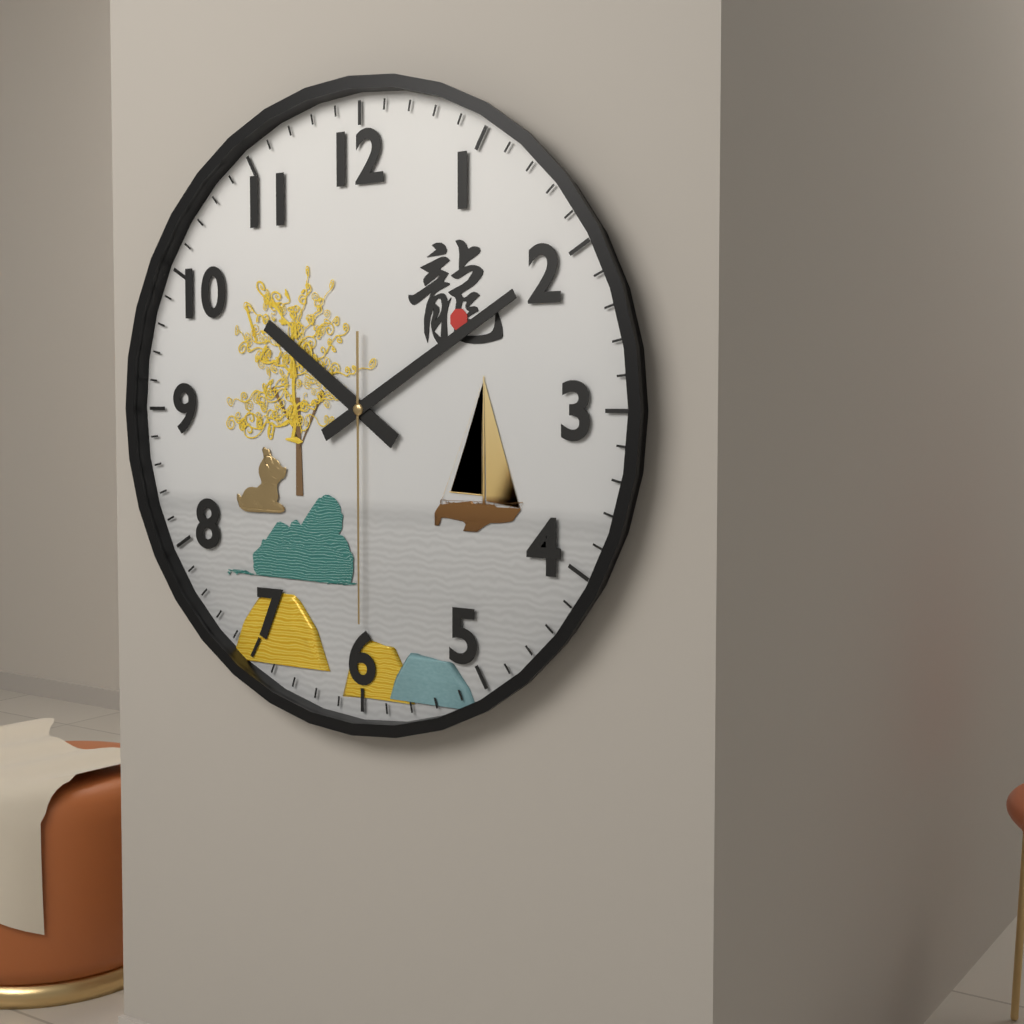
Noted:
10,10,30
